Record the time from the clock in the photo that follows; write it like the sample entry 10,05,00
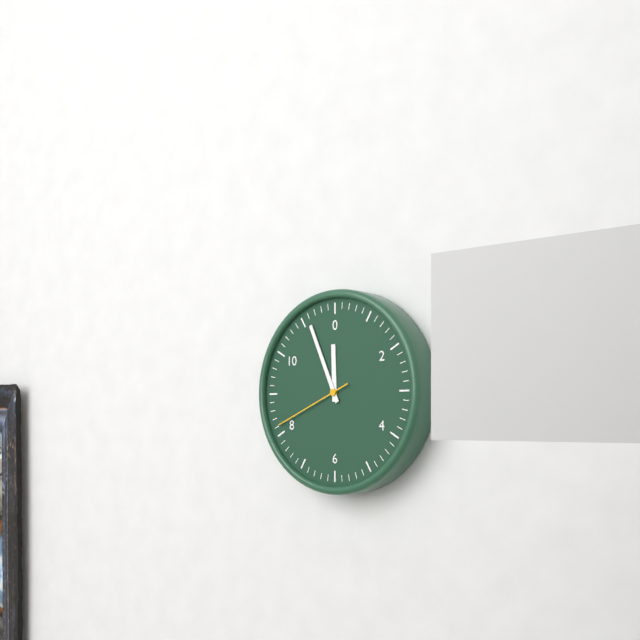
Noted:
11,56,41
